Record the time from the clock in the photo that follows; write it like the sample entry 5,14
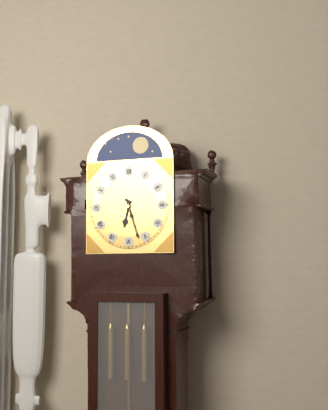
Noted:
6,27
